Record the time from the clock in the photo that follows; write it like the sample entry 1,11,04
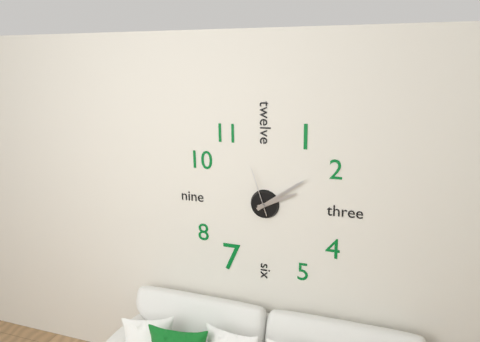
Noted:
2,09,57
